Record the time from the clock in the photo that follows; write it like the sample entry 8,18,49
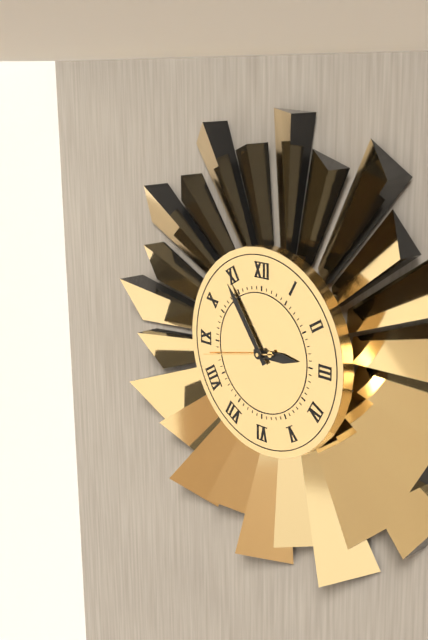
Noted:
2,54,43
